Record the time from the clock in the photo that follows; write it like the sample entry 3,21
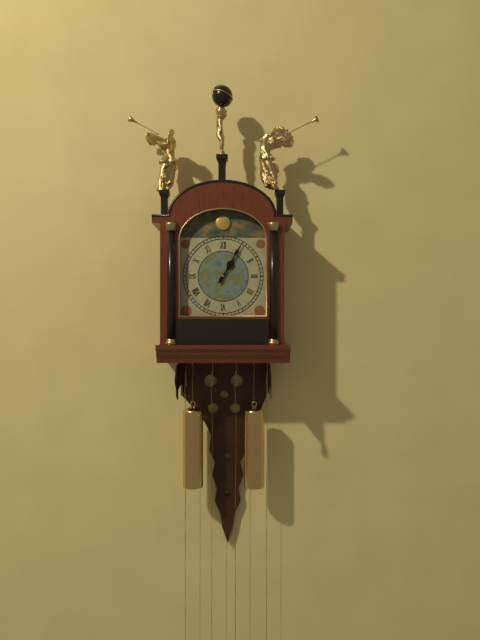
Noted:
1,05
